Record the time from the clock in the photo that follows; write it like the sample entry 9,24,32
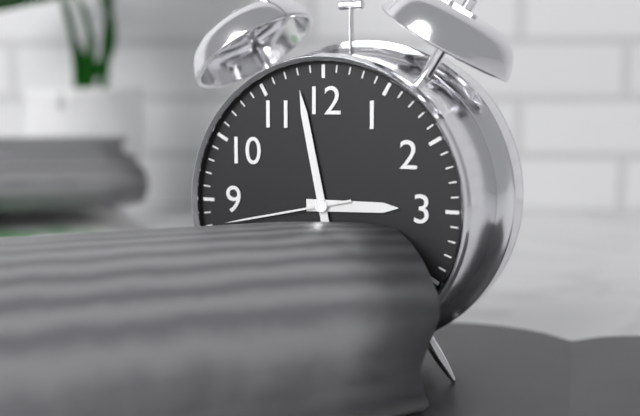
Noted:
2,58,43
